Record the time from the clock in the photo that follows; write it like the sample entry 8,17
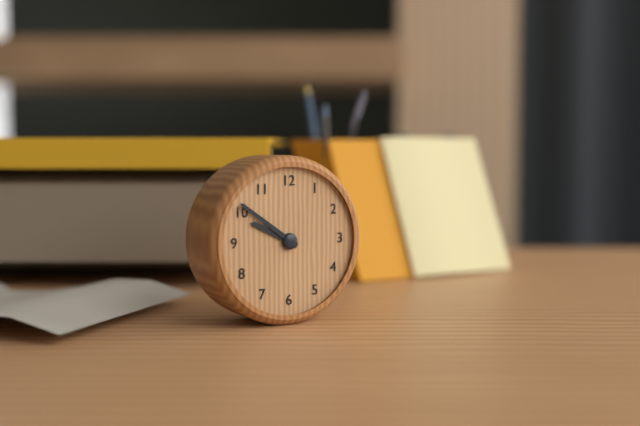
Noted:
9,51
